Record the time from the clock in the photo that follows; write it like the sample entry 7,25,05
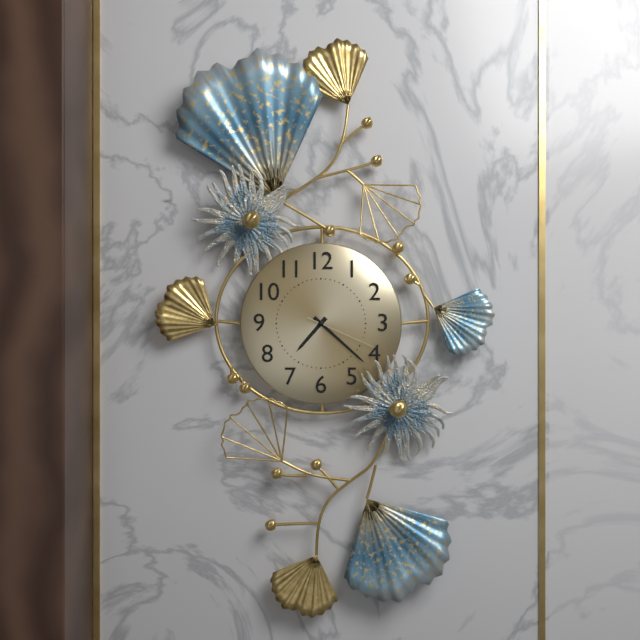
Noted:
7,22,19
